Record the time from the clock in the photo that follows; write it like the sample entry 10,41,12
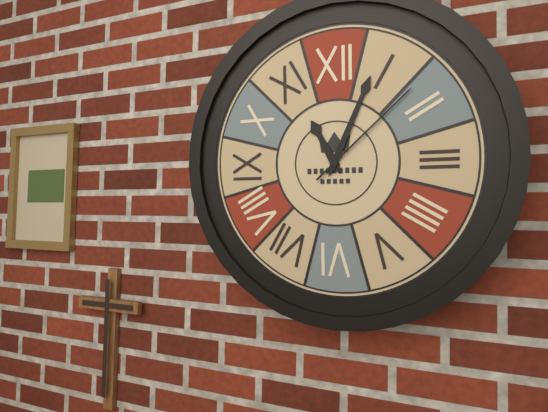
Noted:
11,04,08
